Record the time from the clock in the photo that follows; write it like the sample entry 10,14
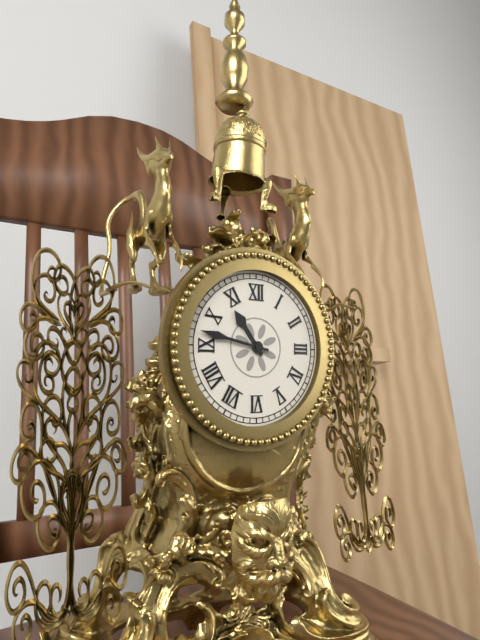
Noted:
10,47
